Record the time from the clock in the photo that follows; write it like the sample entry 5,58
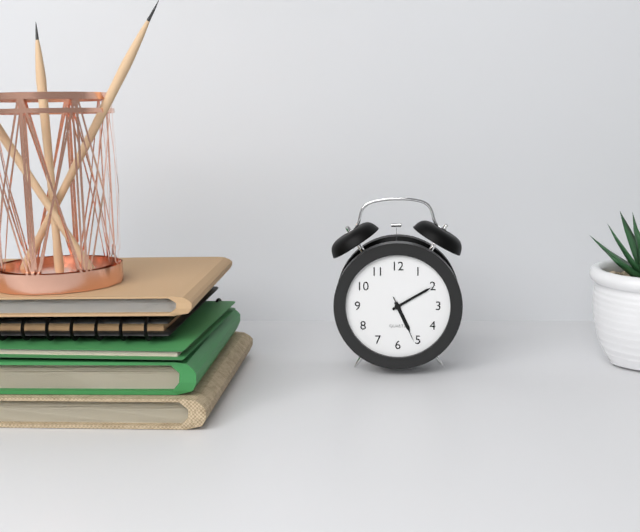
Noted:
5,10
